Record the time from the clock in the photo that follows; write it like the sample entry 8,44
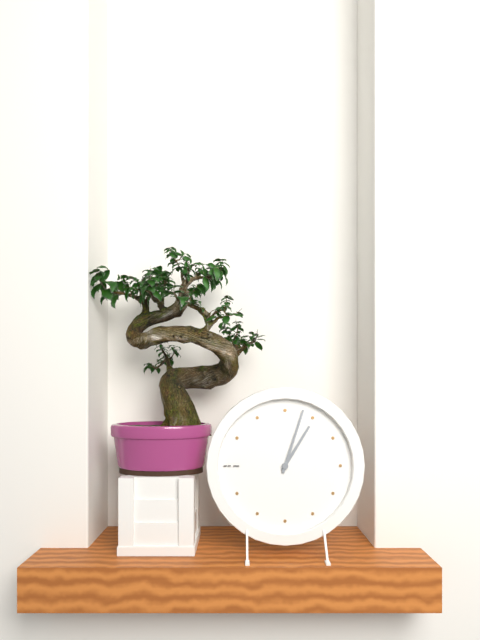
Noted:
1,03
